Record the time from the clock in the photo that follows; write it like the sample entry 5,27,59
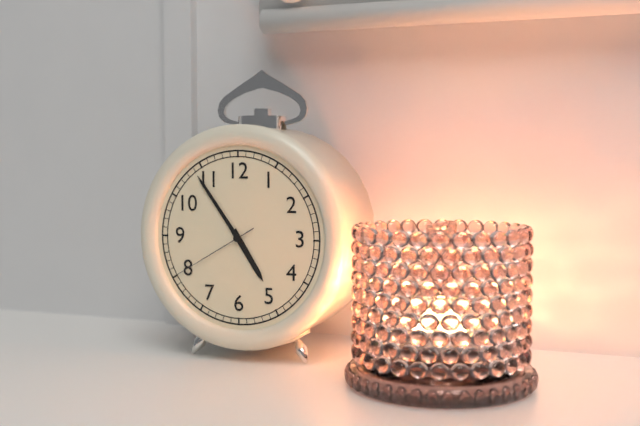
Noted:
4,54,40
